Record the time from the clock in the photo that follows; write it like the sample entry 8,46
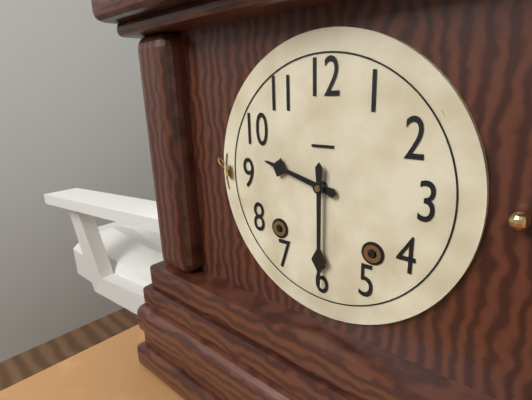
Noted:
9,30
